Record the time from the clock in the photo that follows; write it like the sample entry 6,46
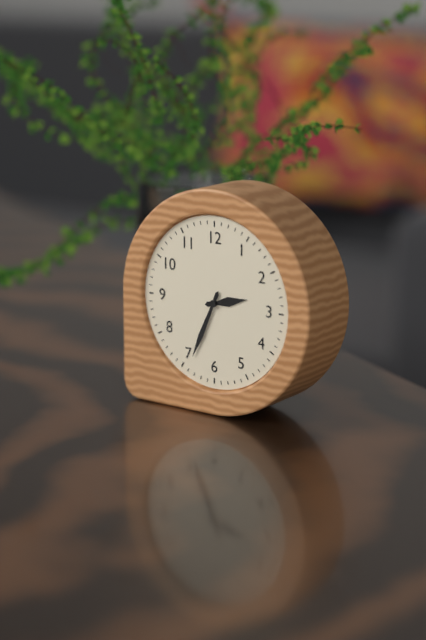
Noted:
2,34
